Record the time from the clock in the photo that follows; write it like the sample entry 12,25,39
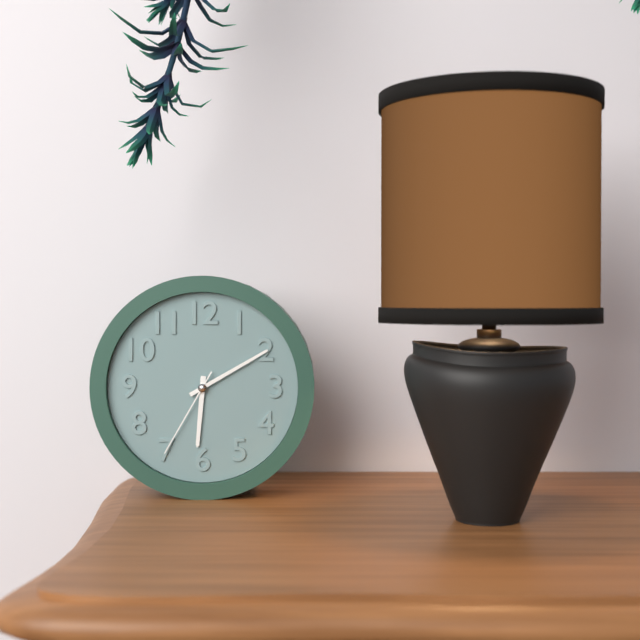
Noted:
6,10,35
